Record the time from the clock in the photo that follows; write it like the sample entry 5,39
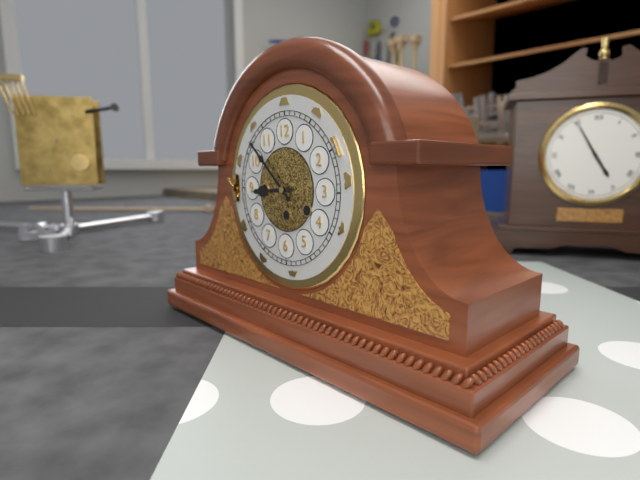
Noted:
8,52
